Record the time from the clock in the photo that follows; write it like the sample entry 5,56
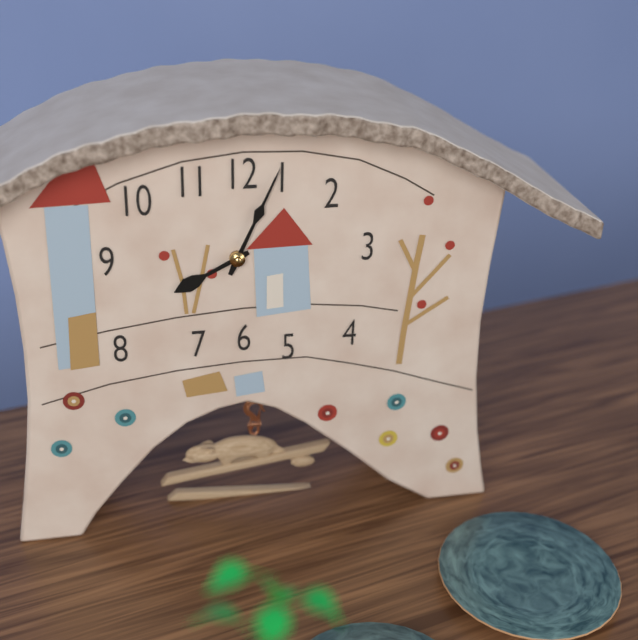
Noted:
8,04
